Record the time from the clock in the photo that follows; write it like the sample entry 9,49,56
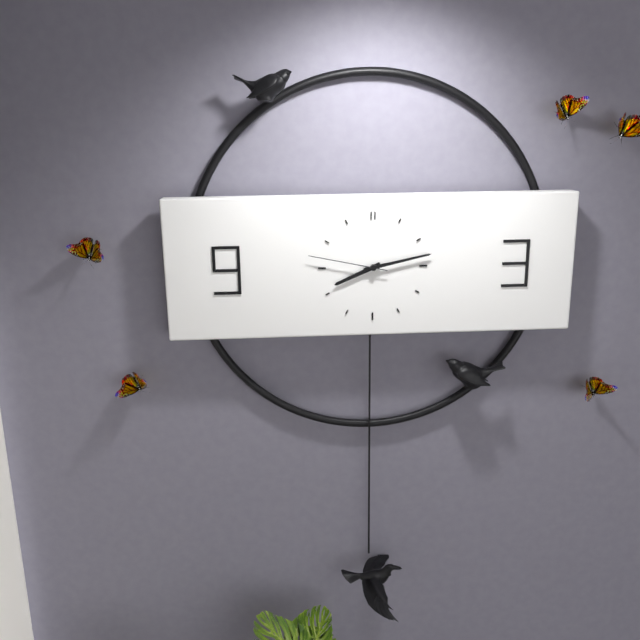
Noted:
8,13,47
